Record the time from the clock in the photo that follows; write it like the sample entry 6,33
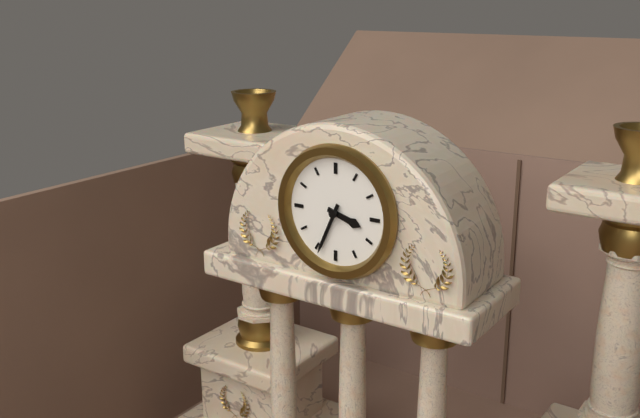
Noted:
3,34
